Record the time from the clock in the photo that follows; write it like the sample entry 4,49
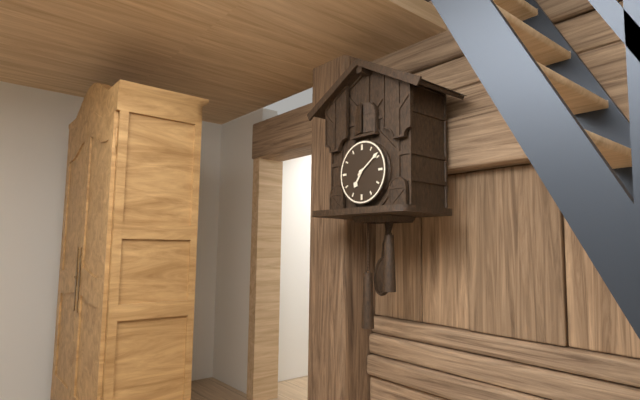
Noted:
7,09
